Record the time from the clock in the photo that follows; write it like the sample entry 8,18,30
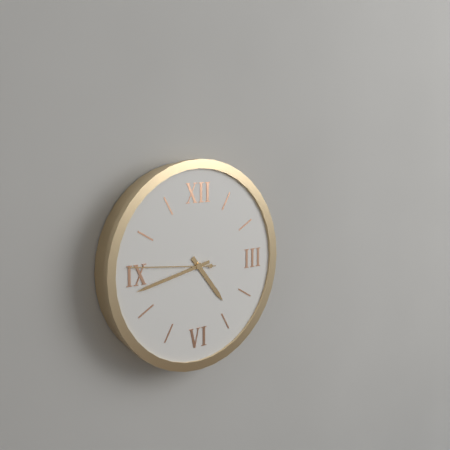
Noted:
4,43,46
